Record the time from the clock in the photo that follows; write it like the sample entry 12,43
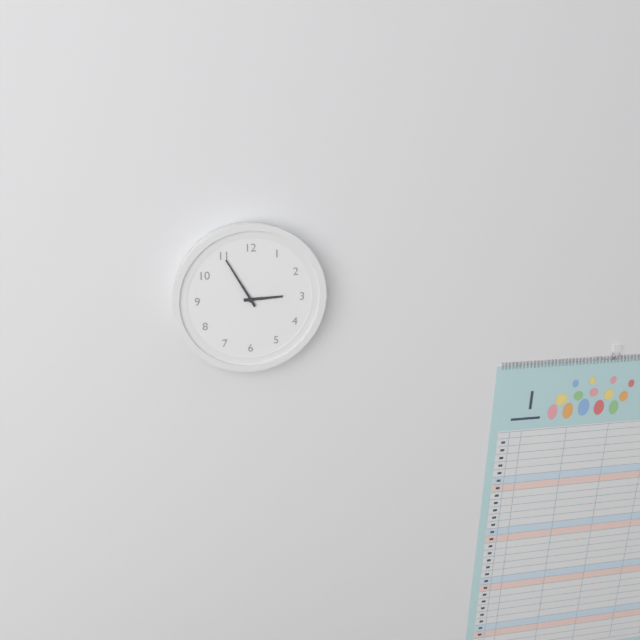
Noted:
2,55
